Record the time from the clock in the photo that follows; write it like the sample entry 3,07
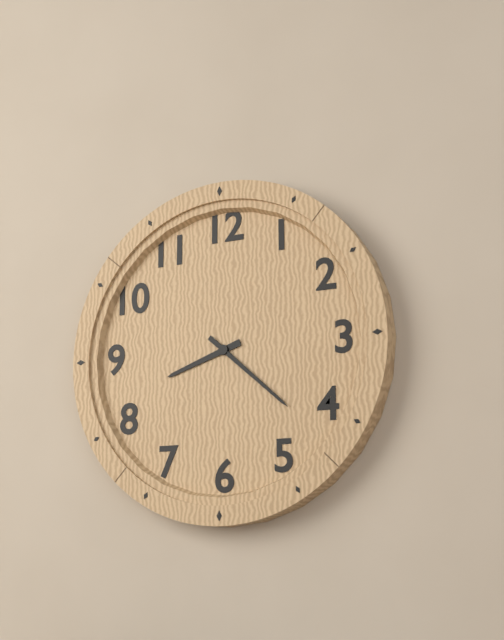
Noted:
8,22
